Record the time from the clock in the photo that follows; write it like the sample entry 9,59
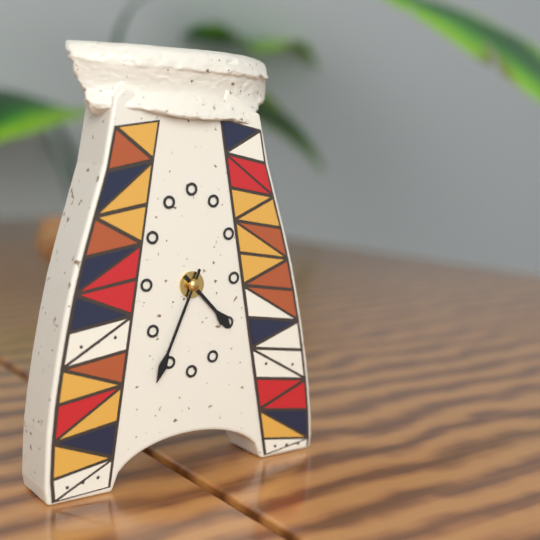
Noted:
4,34
